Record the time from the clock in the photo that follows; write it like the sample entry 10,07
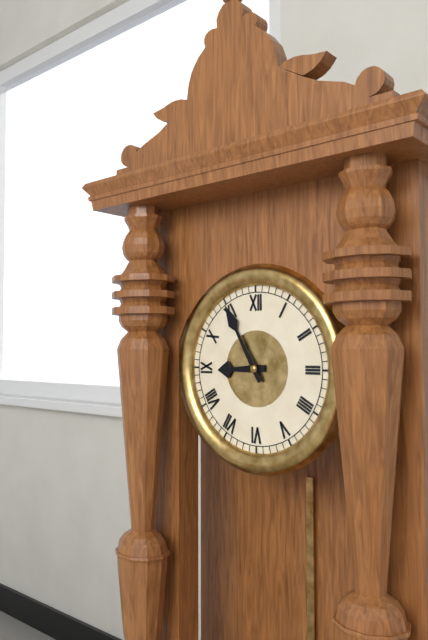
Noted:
8,55
